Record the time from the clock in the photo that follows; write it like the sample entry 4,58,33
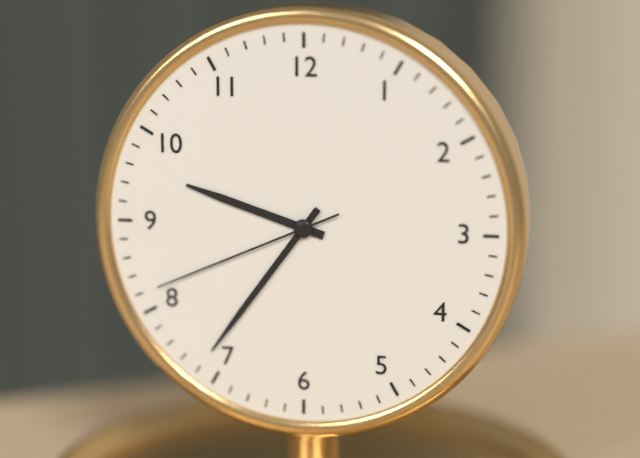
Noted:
9,36,41
